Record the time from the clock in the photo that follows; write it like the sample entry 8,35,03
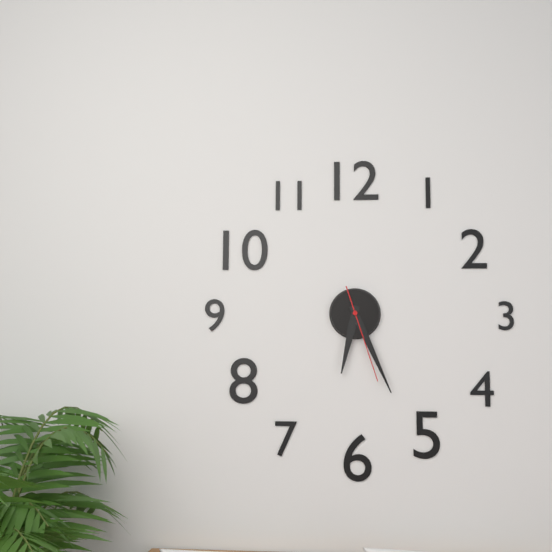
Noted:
6,26,27
